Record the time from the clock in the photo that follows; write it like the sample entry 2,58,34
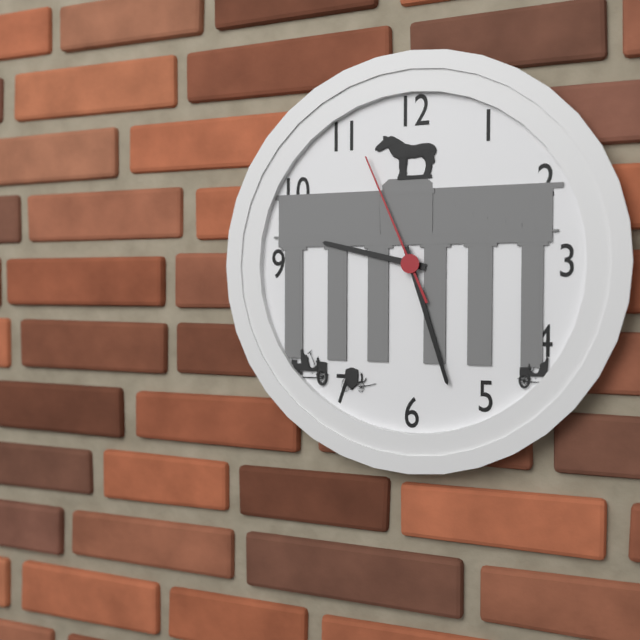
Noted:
9,27,56
